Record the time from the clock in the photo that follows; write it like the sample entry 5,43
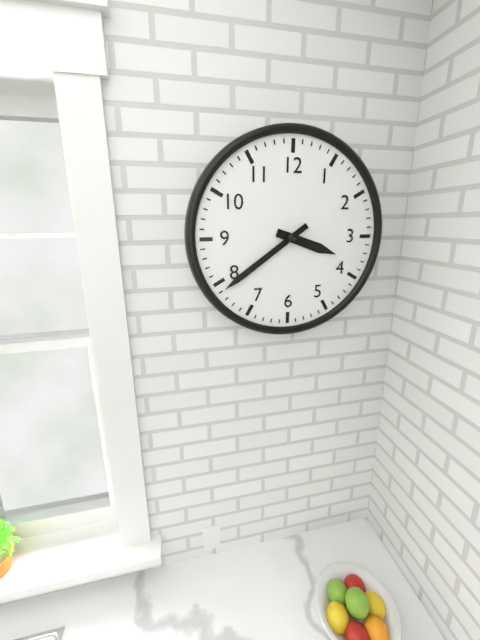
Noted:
3,39
